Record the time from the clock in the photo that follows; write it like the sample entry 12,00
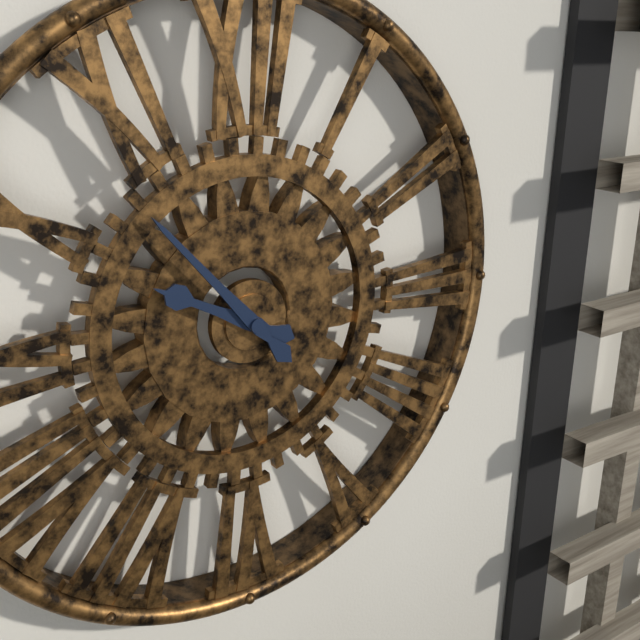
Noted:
9,53
